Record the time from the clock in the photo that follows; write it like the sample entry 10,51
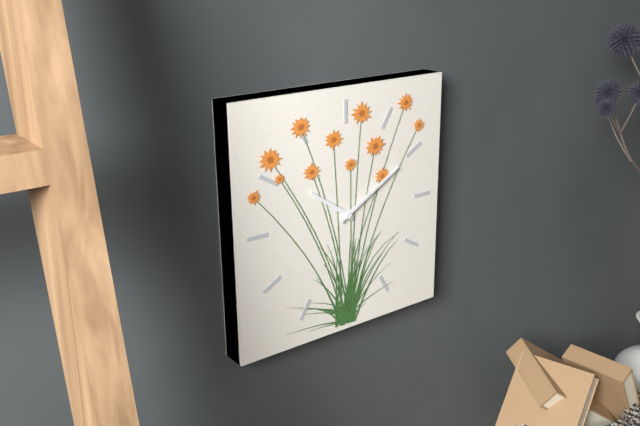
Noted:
10,10
